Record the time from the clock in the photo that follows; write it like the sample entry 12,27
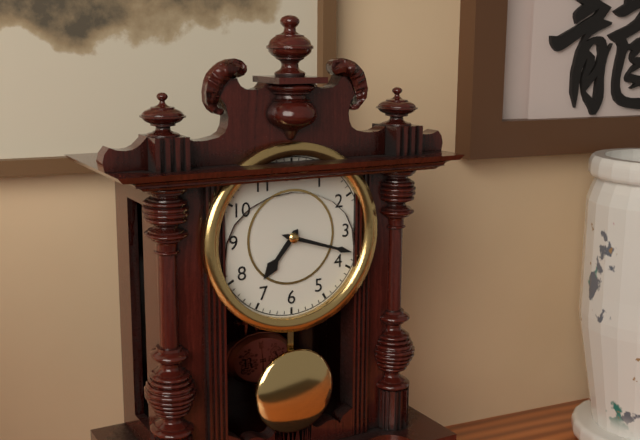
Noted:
7,18
